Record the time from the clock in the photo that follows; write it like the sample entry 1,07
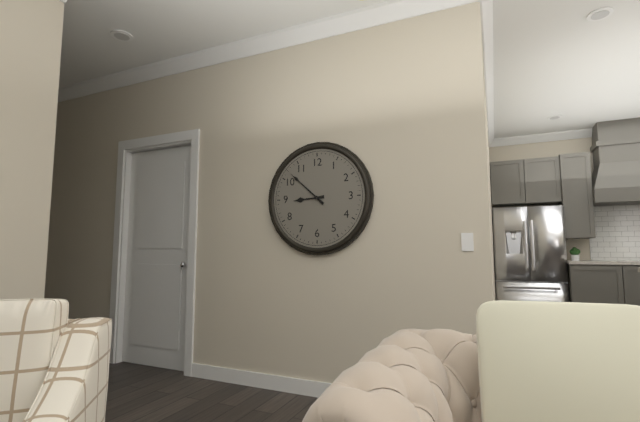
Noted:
8,52
